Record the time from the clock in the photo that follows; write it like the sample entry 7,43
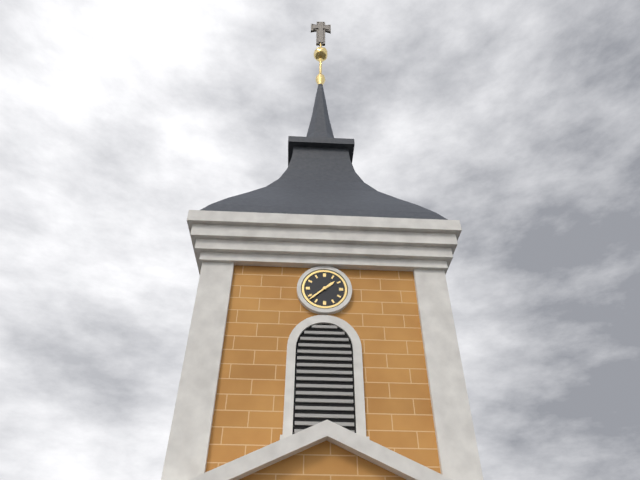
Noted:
1,38
